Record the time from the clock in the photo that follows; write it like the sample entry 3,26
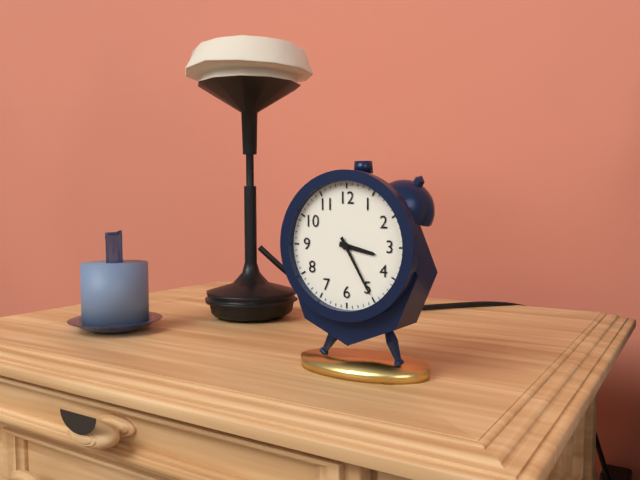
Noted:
3,25
